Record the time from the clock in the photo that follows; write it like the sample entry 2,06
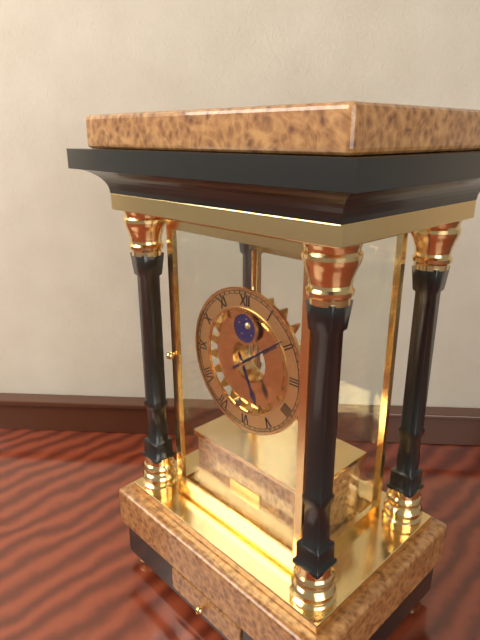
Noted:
5,09
